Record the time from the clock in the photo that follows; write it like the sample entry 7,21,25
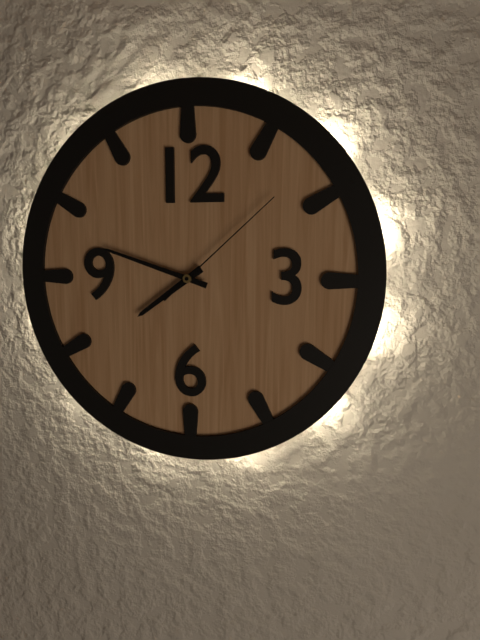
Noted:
7,48,08
